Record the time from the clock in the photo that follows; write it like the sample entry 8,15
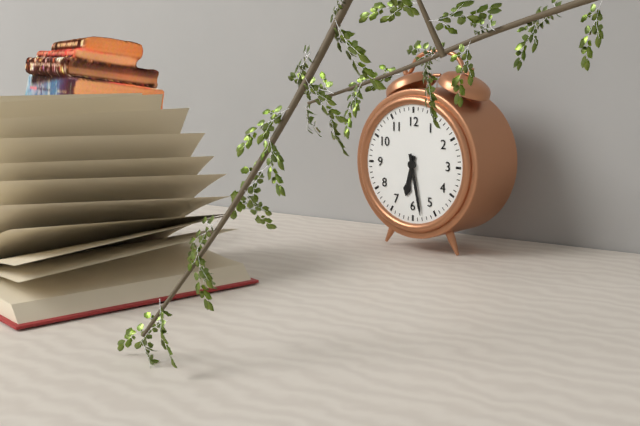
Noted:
6,28
